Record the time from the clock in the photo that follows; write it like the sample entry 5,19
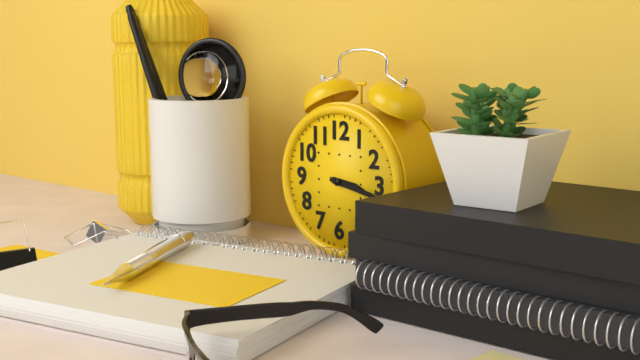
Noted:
3,17
